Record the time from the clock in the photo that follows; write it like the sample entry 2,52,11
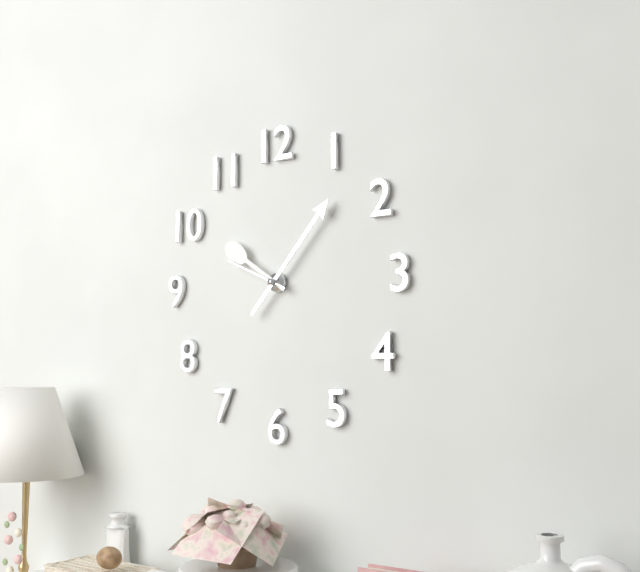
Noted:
10,07,49
